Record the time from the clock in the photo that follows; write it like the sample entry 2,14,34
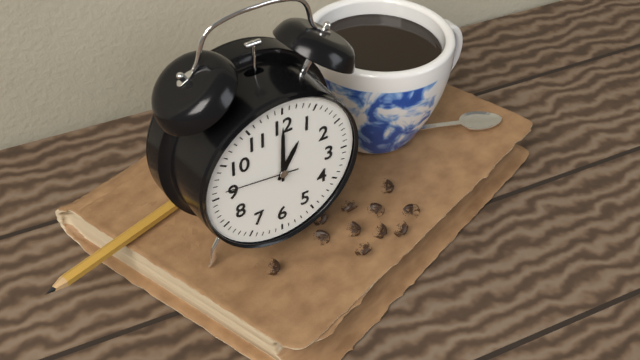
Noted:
1,00,46
